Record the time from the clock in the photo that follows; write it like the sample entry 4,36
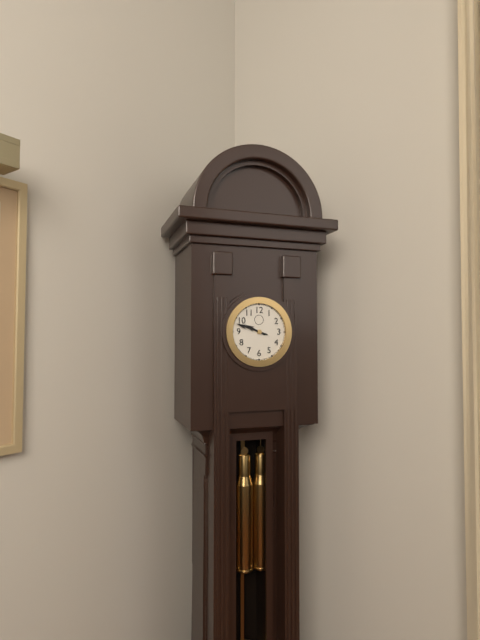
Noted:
9,48
